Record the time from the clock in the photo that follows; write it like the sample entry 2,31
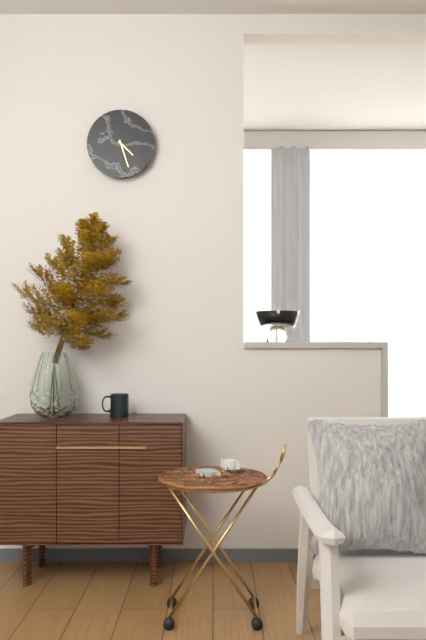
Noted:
4,27
